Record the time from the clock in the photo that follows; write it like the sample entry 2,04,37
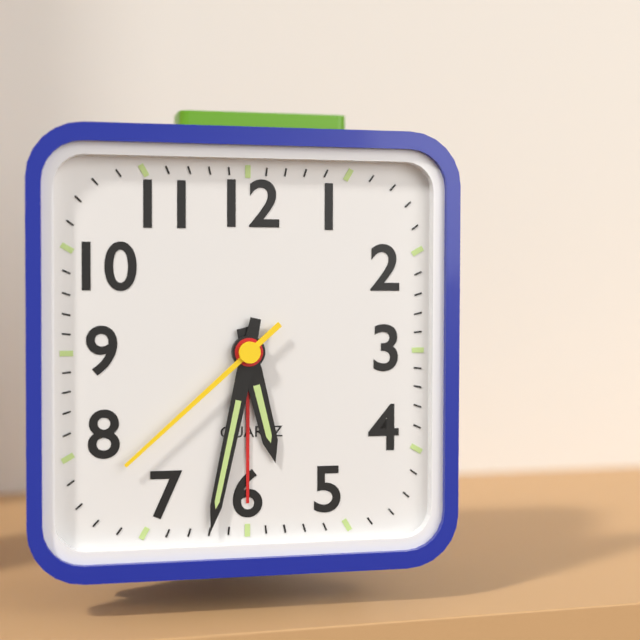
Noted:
5,32,38
